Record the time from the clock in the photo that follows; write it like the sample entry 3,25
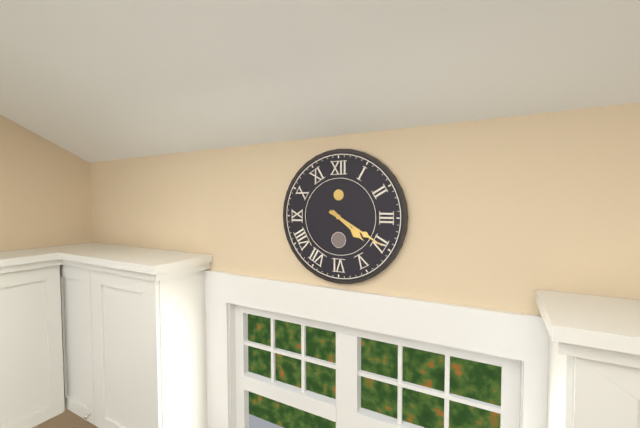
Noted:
4,20
